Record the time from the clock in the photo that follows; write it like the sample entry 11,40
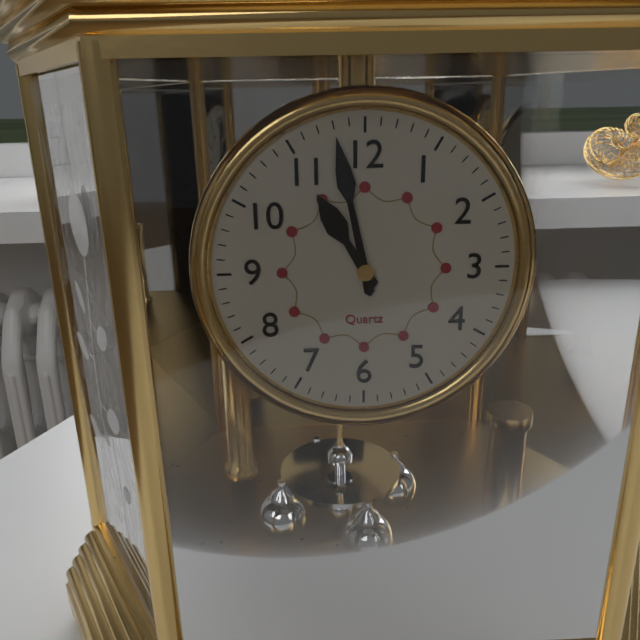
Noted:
10,58
